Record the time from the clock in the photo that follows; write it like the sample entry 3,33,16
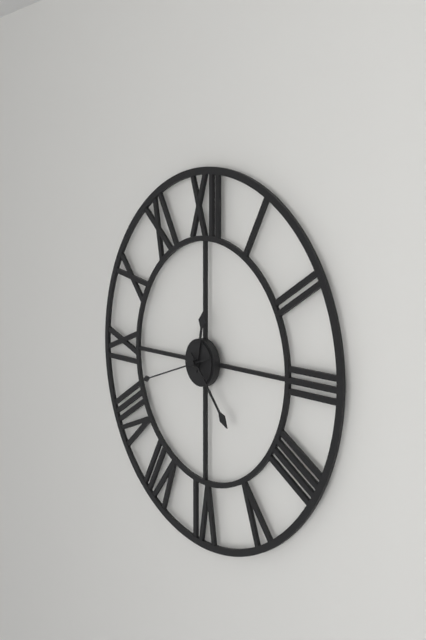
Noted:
12,23,42
